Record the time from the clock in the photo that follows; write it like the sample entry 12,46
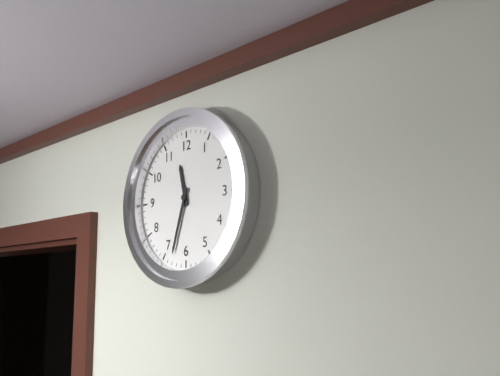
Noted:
11,33
